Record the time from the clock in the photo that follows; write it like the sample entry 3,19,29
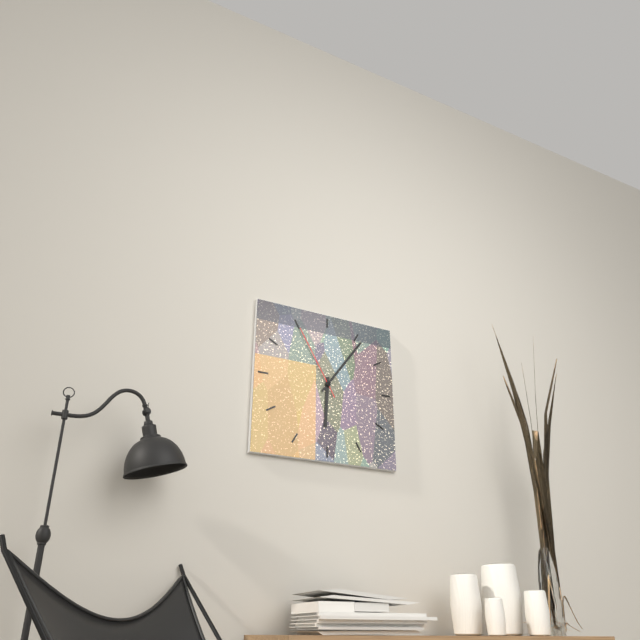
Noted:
6,06,55
